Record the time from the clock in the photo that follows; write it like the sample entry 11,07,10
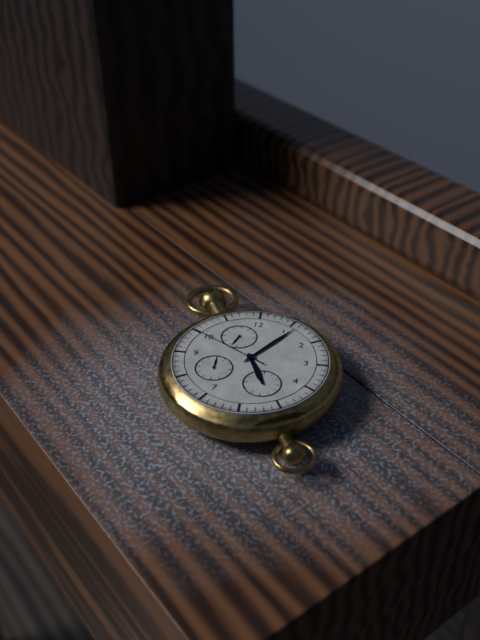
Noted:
5,06,50
